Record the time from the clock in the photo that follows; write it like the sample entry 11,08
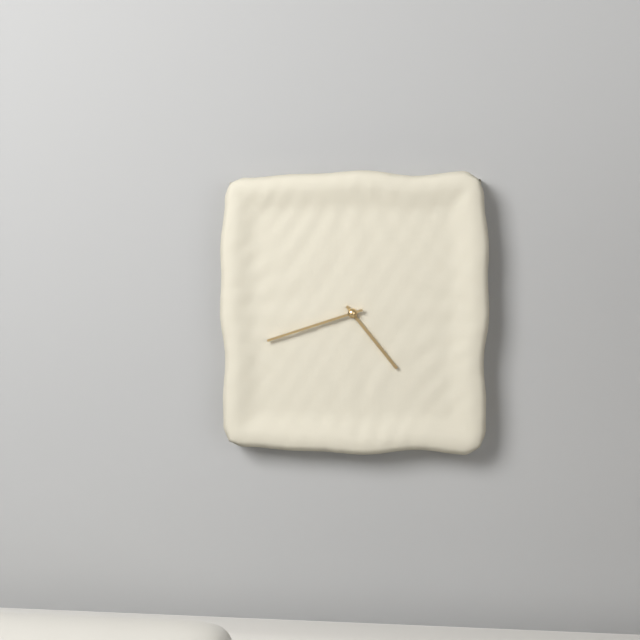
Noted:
4,42
